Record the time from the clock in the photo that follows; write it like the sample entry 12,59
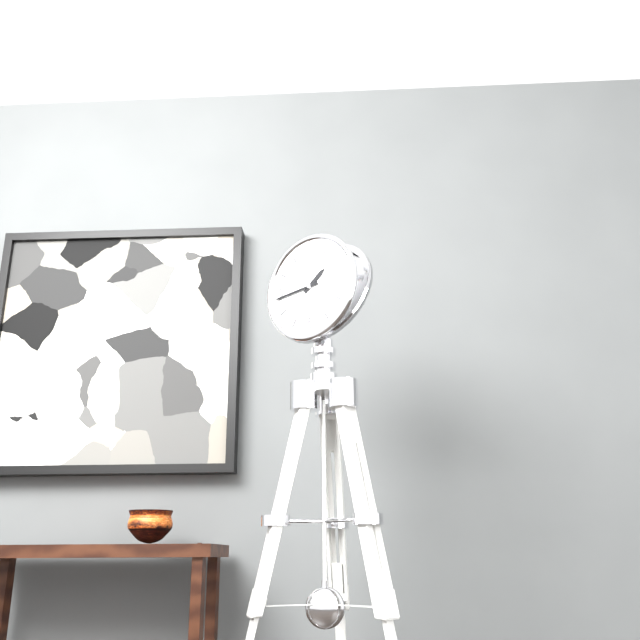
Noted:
1,44
